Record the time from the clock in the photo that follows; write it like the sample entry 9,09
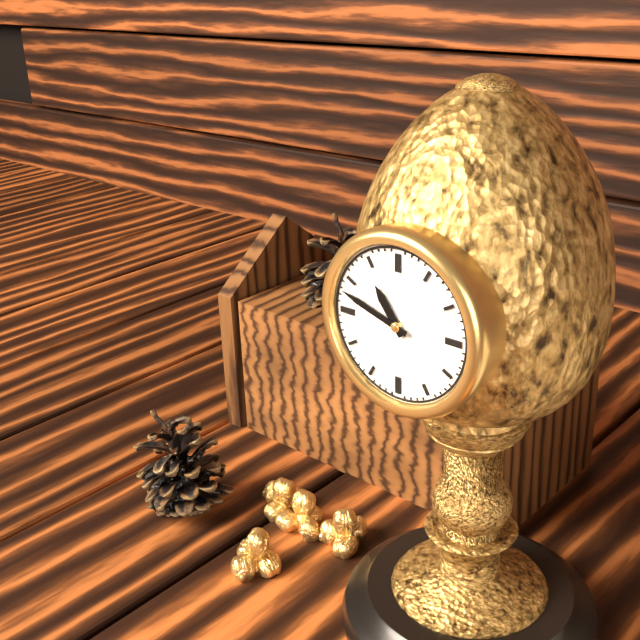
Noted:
10,48
